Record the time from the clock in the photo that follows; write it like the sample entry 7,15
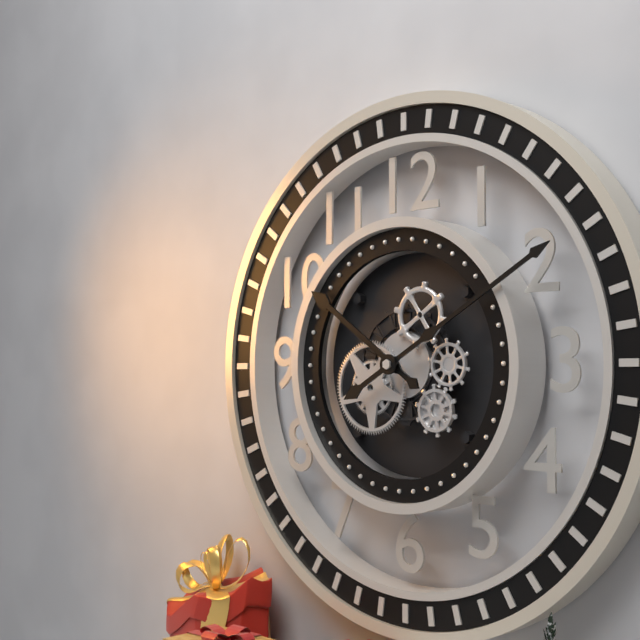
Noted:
10,10
